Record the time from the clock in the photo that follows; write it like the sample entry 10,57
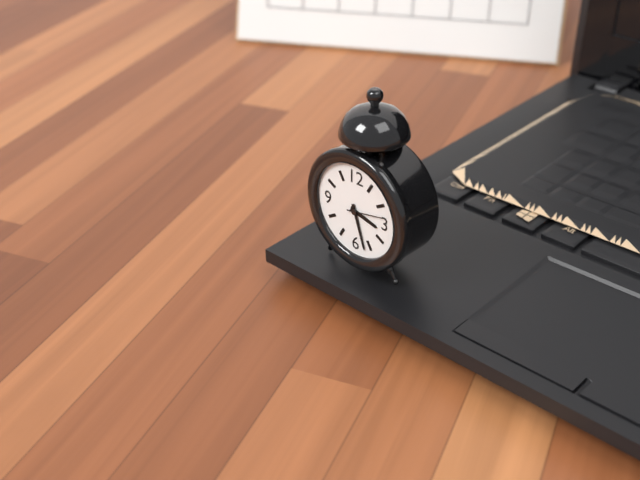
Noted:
3,27
